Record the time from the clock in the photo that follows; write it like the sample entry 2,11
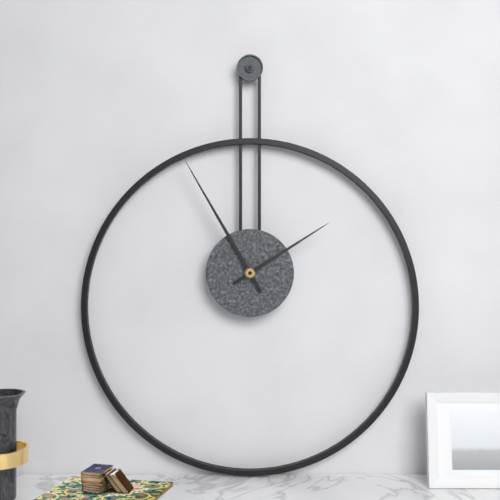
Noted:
1,55
